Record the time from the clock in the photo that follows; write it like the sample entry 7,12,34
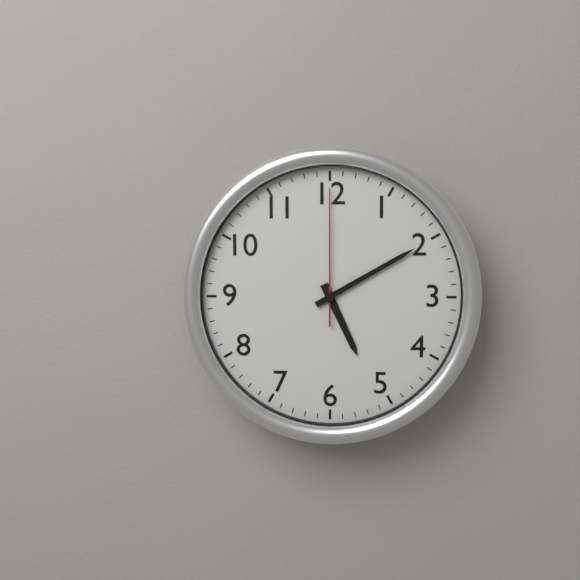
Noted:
5,10,00
